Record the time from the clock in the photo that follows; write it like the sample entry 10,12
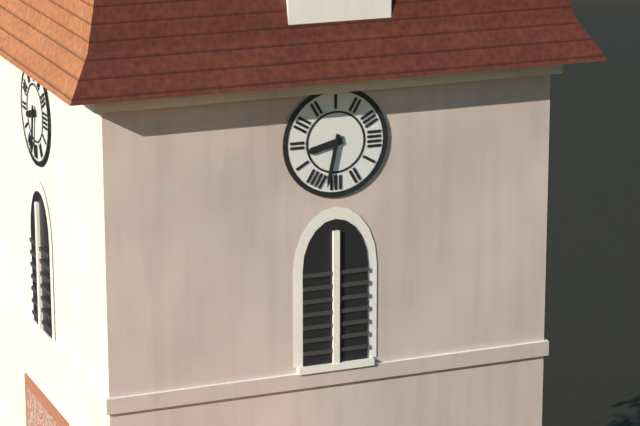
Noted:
8,32
